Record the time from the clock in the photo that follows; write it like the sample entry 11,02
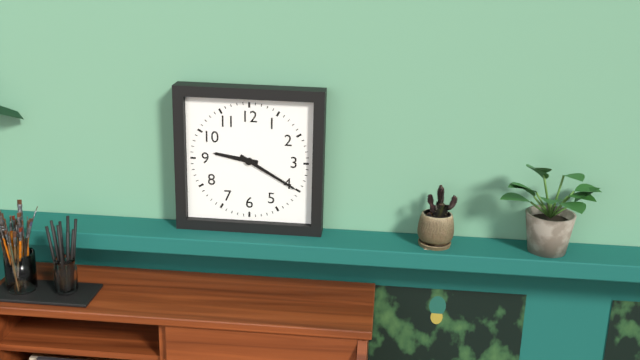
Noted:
9,20
